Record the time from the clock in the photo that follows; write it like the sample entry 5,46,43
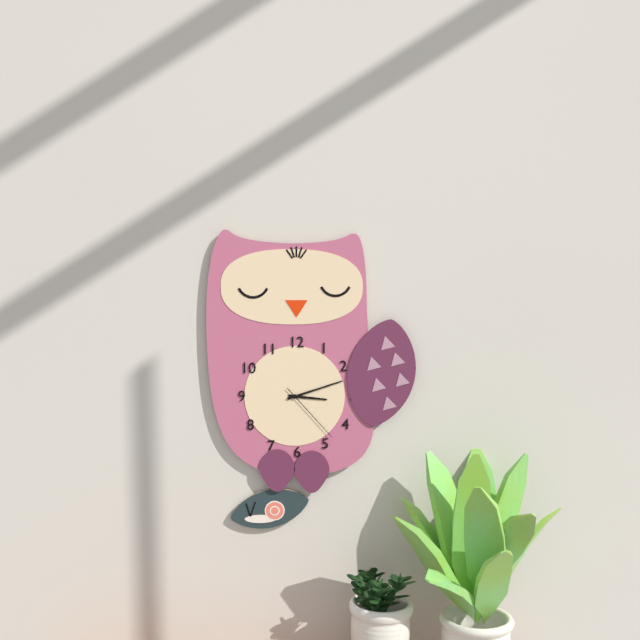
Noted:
3,12,23
